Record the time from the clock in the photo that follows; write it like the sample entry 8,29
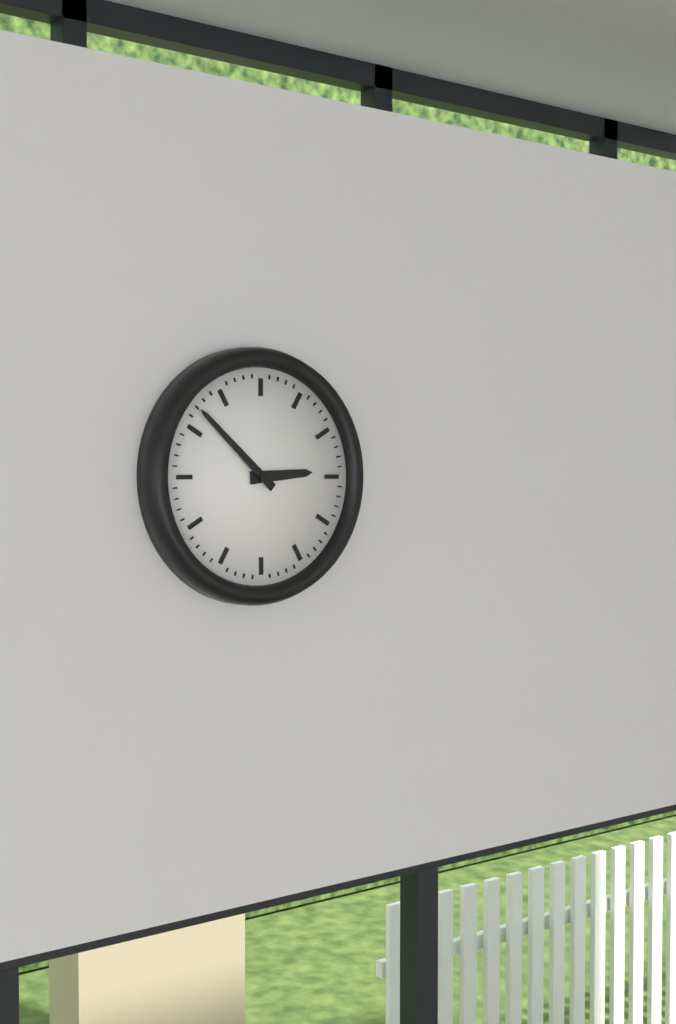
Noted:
2,52
